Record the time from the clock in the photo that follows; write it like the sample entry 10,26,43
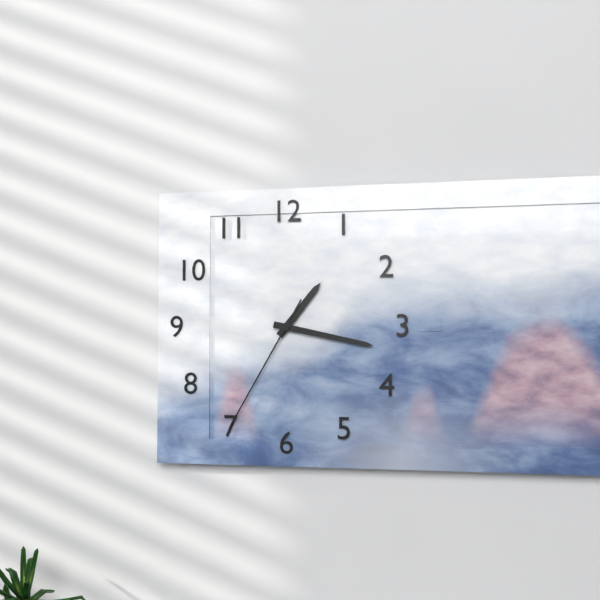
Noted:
1,17,35
